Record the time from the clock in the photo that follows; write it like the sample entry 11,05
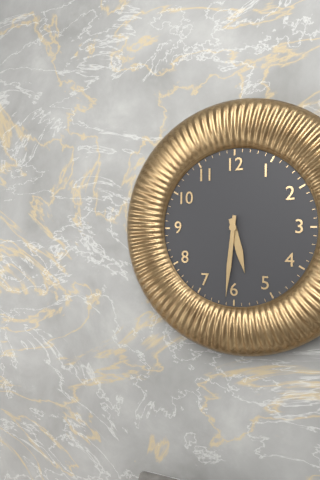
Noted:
5,31
